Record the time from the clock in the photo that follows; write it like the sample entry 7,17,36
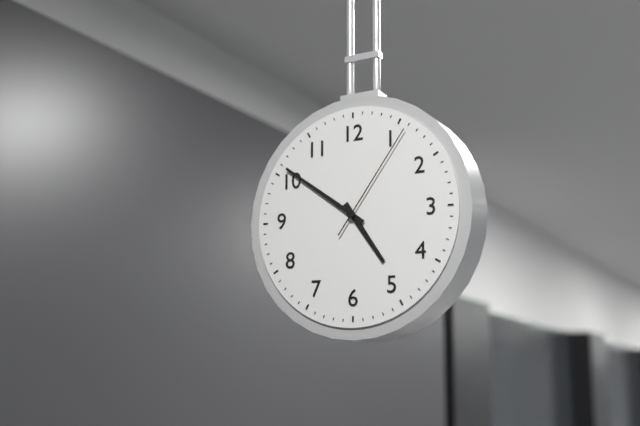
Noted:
4,51,06
